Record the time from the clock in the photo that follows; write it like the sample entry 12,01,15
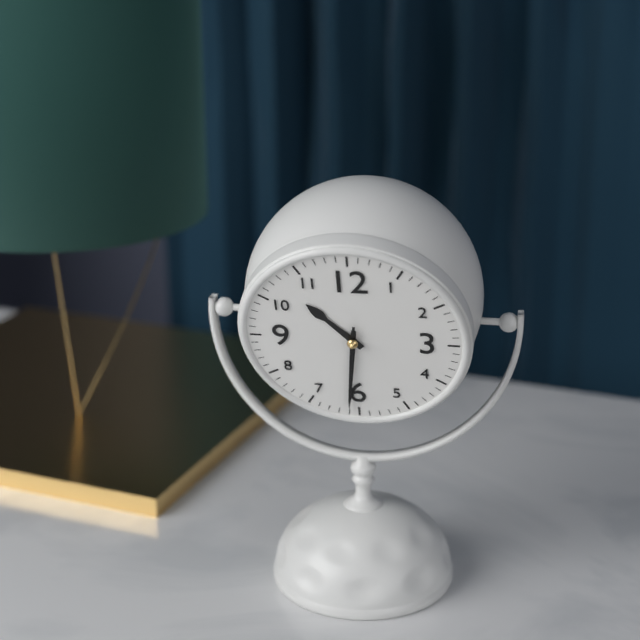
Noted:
10,31,31
